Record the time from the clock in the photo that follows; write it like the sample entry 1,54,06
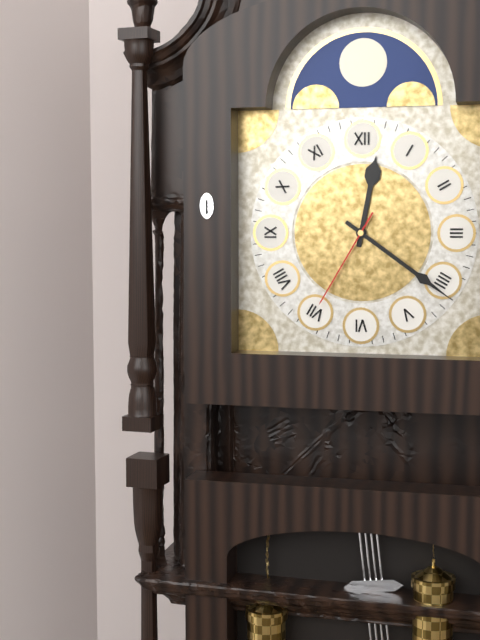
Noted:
12,21,35
